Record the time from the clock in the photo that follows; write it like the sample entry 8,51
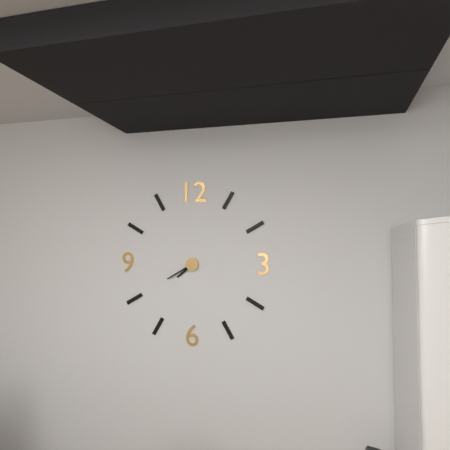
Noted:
7,40
